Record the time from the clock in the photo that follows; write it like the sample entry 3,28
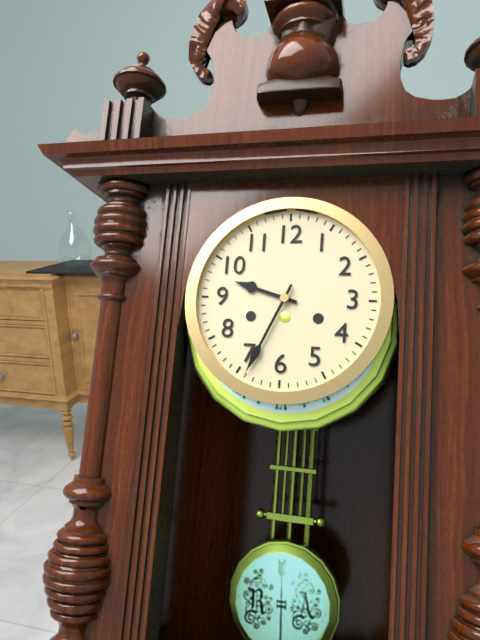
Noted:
9,34
